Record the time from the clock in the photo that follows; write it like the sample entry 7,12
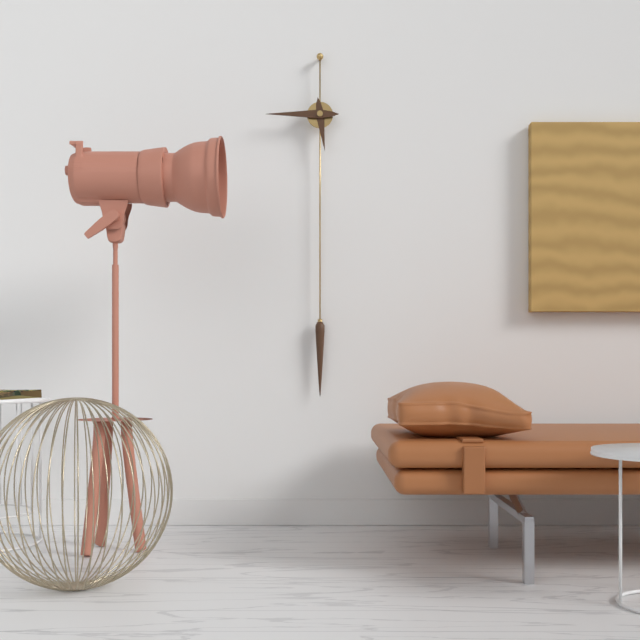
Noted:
5,45
